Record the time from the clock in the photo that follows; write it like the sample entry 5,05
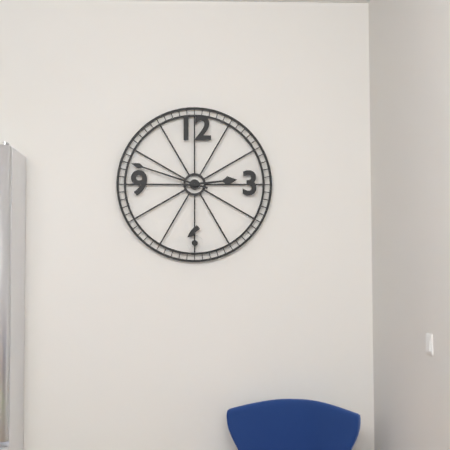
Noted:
2,48
